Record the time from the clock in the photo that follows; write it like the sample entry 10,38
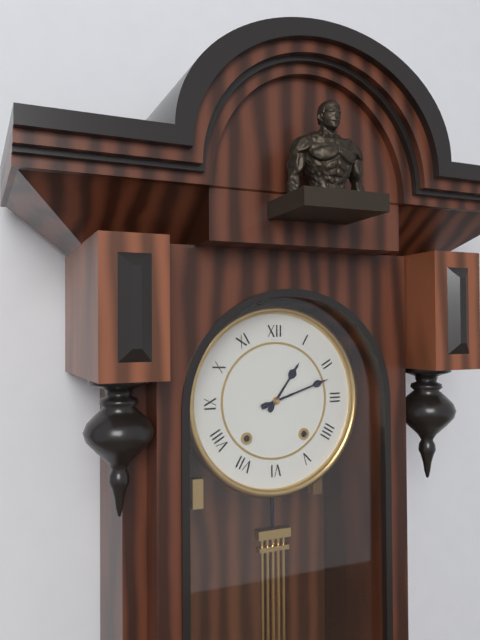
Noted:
1,12
